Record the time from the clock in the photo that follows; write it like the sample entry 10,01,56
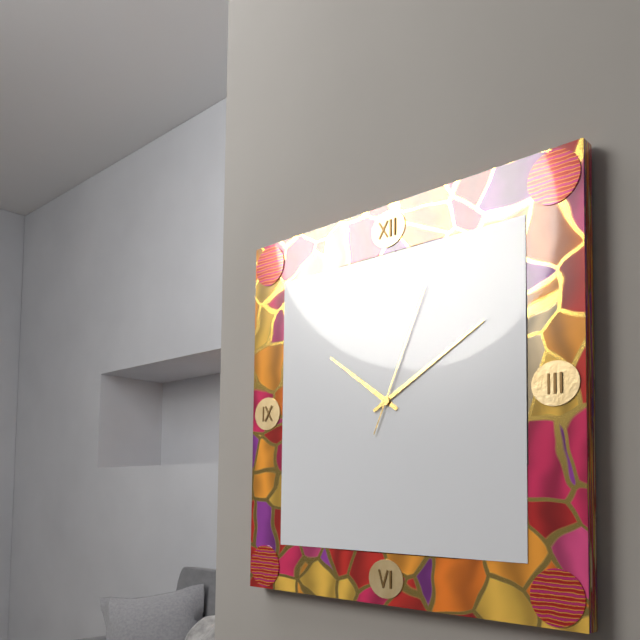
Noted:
10,10,04
